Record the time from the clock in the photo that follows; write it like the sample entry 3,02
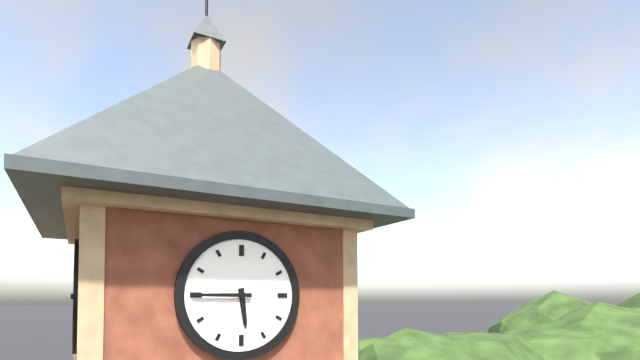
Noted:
5,45
